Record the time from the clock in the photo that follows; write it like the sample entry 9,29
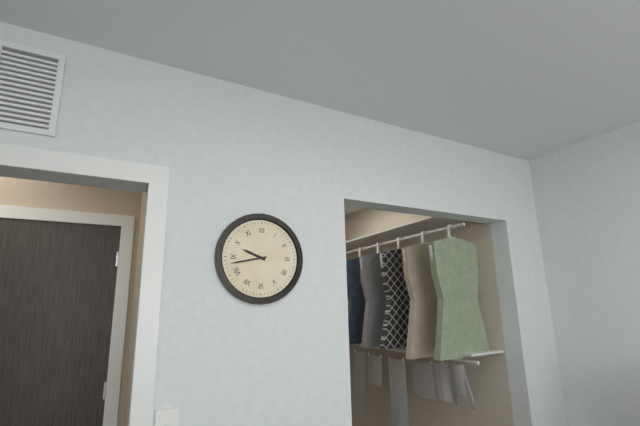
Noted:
9,43
